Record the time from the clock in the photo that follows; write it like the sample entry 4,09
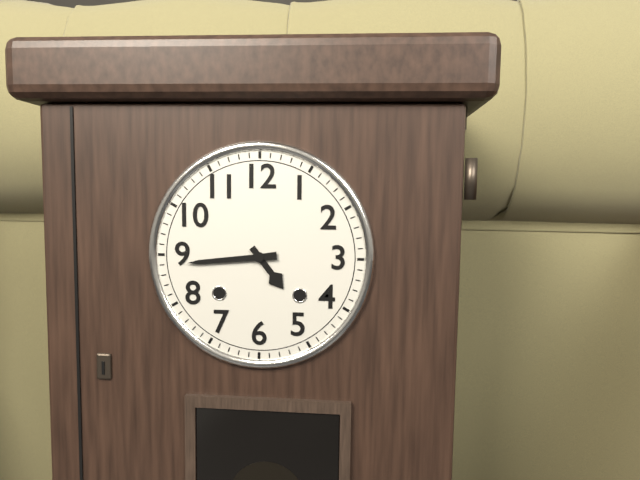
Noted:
4,44
